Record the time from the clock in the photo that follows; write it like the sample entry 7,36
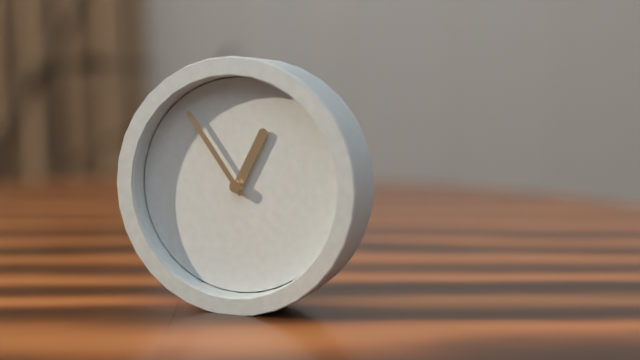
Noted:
12,54
